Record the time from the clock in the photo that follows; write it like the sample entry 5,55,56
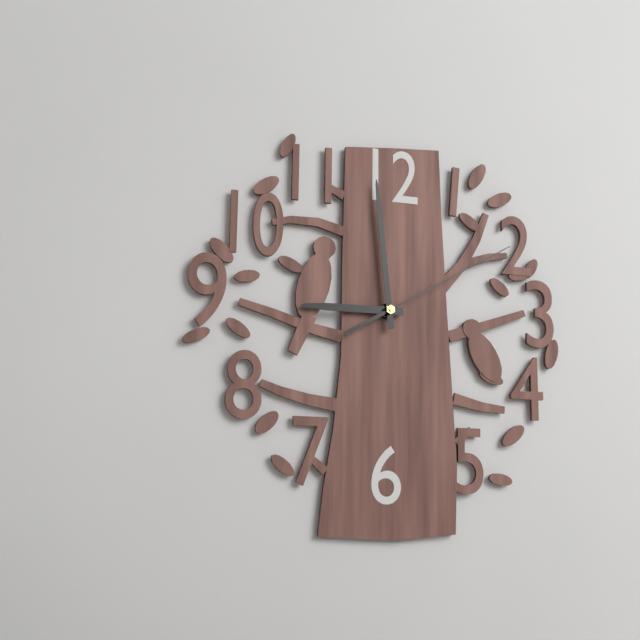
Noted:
8,59,10
